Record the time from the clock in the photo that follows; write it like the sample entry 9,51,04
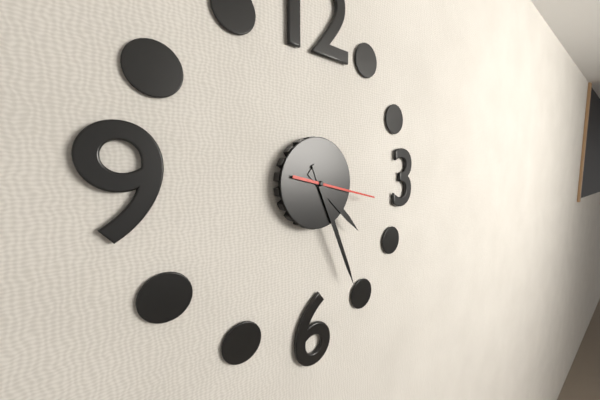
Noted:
4,26,17
